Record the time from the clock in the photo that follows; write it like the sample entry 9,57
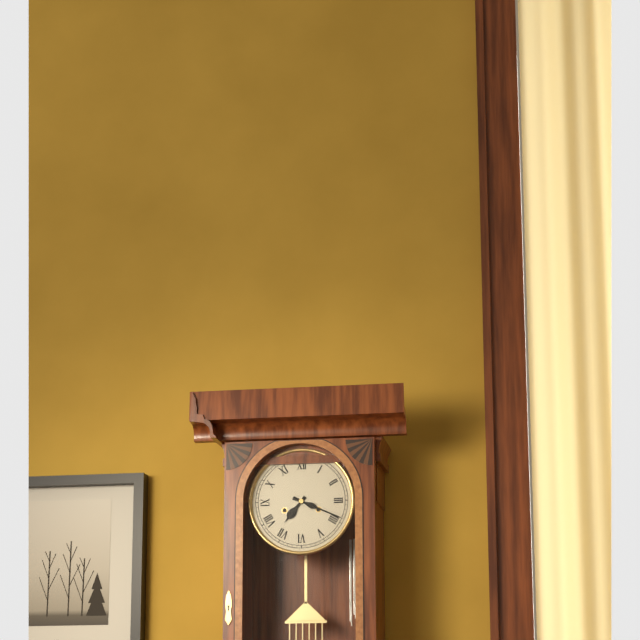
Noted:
7,19
